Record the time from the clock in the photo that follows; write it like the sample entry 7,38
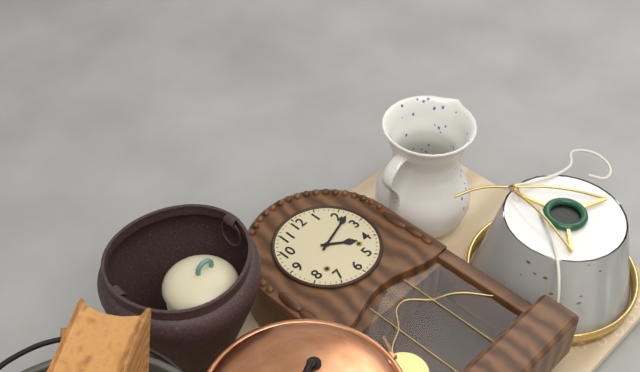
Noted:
4,12
